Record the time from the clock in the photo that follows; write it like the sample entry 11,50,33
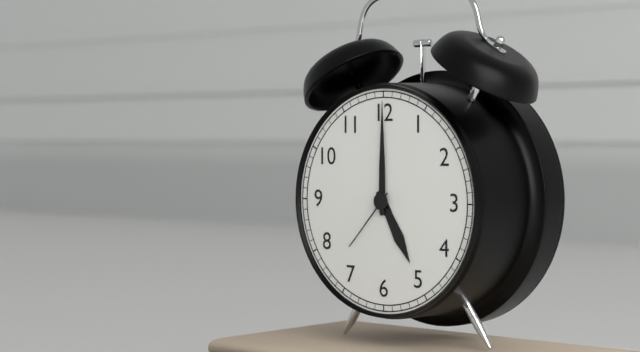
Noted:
5,00,37
